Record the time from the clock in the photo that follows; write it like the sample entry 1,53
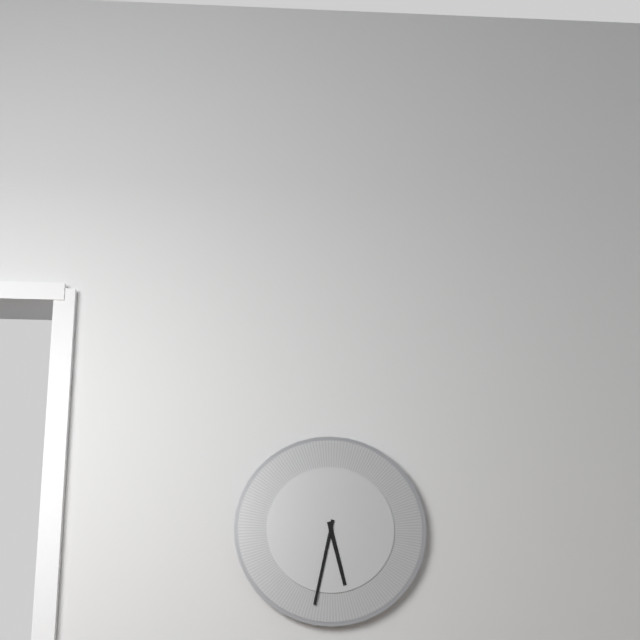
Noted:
5,32
